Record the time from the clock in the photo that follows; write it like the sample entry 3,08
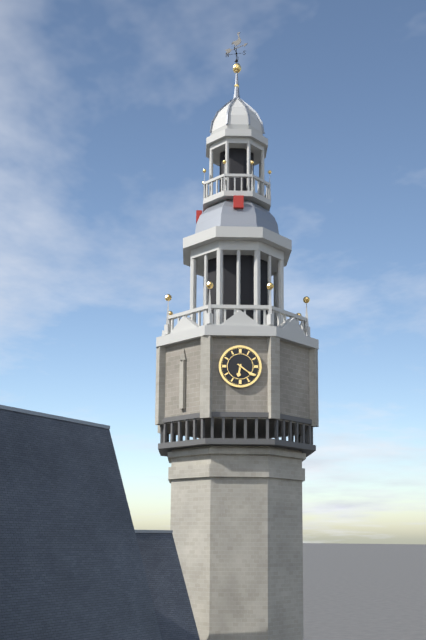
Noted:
6,21
